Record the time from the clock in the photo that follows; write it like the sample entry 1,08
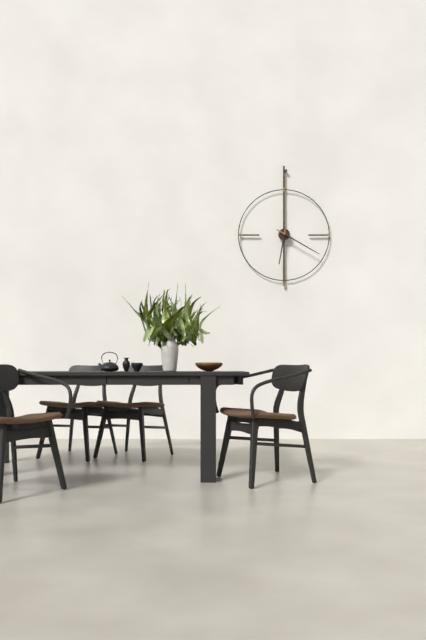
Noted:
6,20
